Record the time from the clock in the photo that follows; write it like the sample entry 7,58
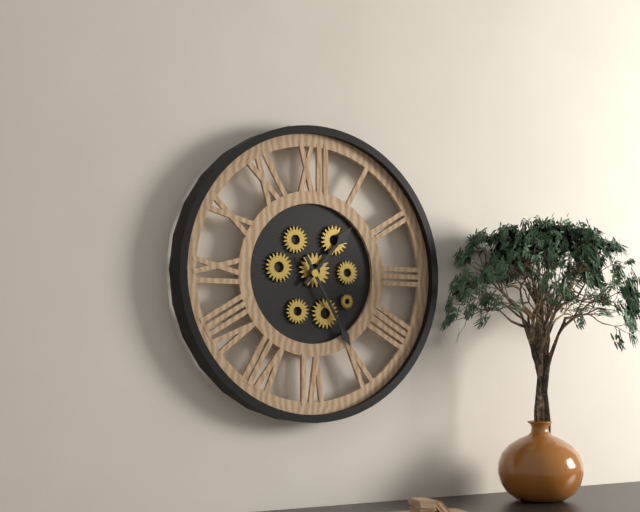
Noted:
1,25
